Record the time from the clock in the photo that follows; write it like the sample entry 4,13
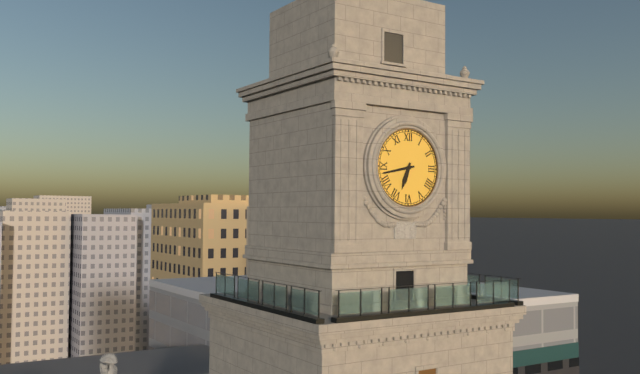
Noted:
6,43
